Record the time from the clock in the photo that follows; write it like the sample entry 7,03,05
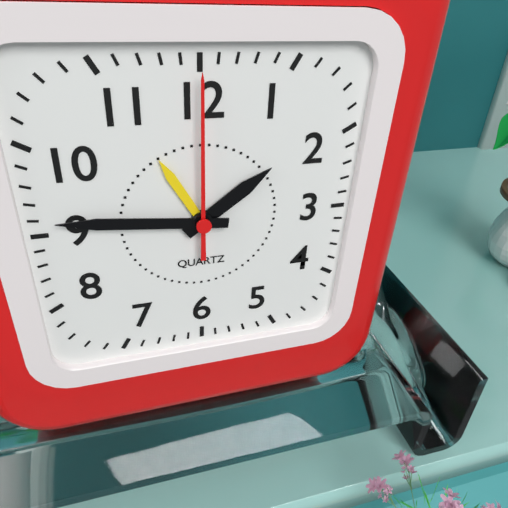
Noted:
1,46,00
